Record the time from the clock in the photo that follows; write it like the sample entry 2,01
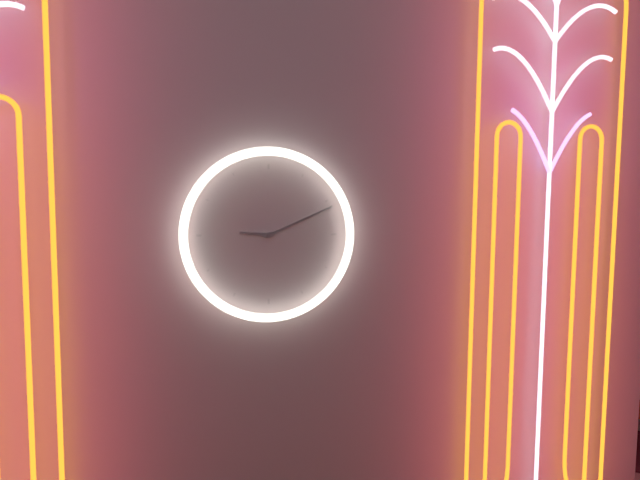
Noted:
9,11
